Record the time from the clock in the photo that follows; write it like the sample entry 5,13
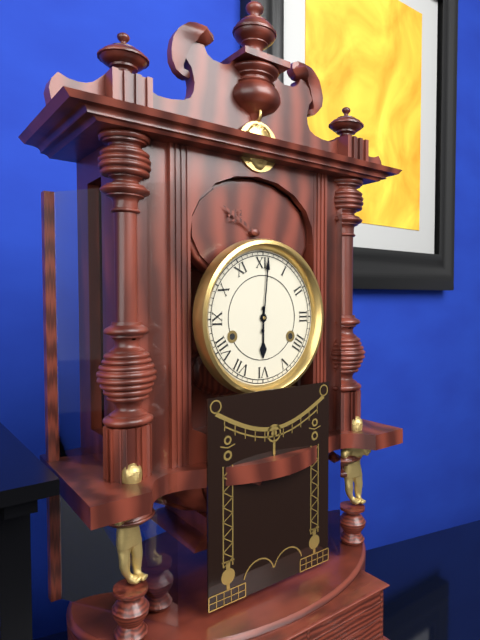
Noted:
6,01
